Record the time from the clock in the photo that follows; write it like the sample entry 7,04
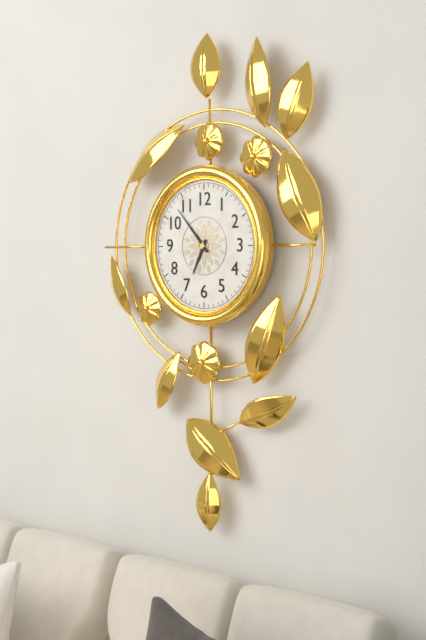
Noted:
6,53
